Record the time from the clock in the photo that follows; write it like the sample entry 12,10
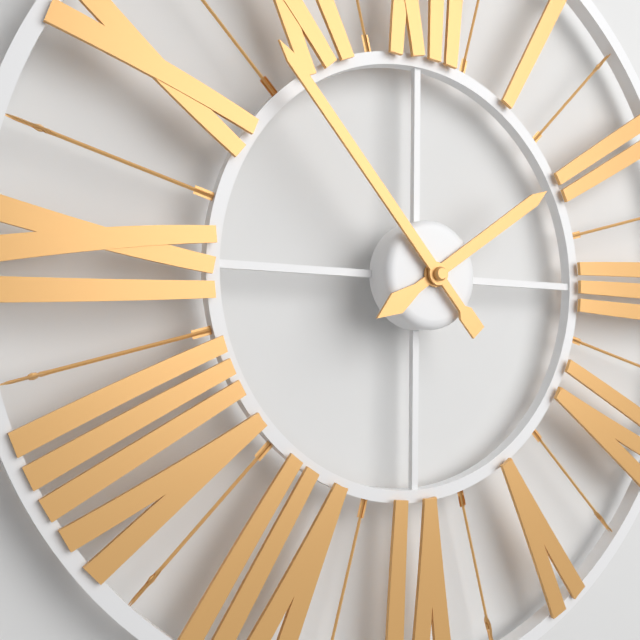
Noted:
1,53
